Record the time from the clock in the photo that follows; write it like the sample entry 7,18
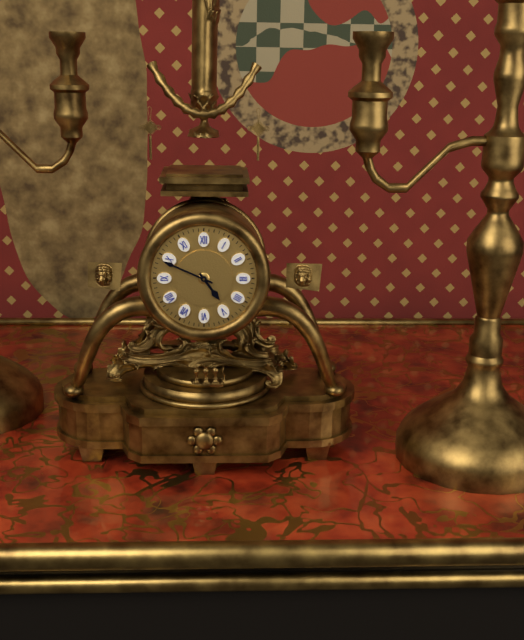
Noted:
4,49
